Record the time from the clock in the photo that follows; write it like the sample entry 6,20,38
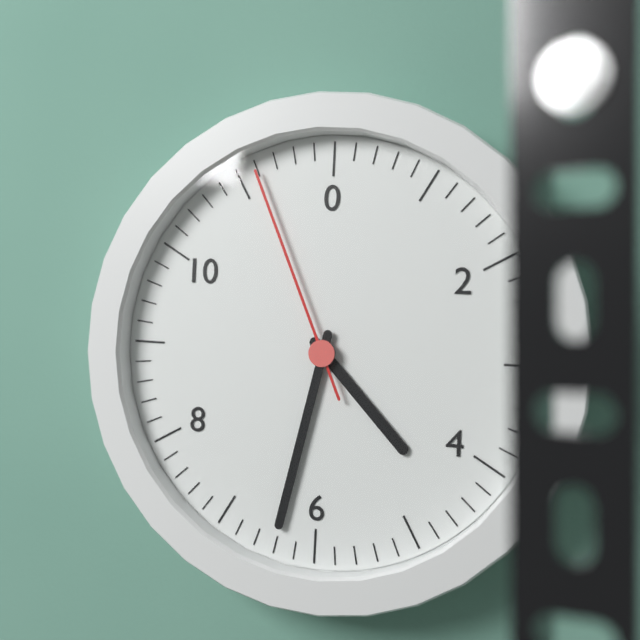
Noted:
4,32,56
